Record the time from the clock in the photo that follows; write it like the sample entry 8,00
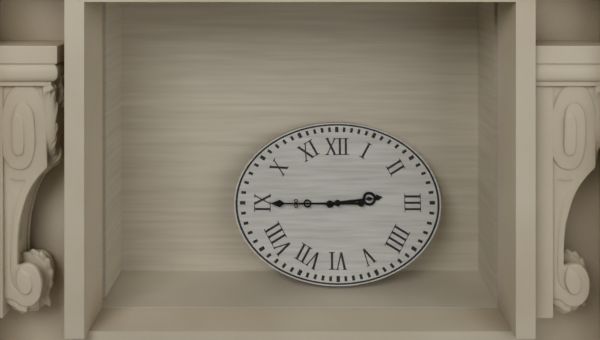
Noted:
2,45
